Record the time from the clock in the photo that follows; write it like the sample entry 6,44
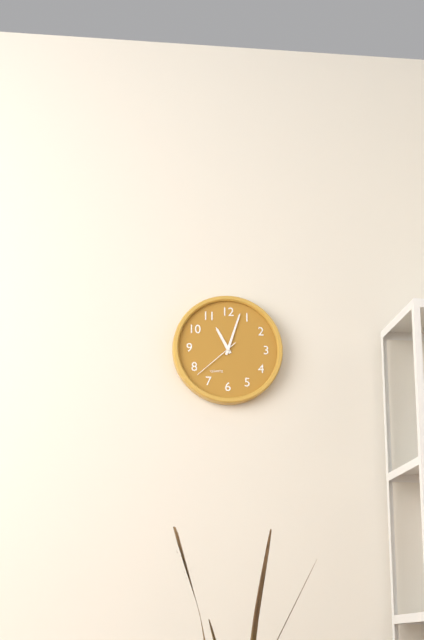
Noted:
11,03
